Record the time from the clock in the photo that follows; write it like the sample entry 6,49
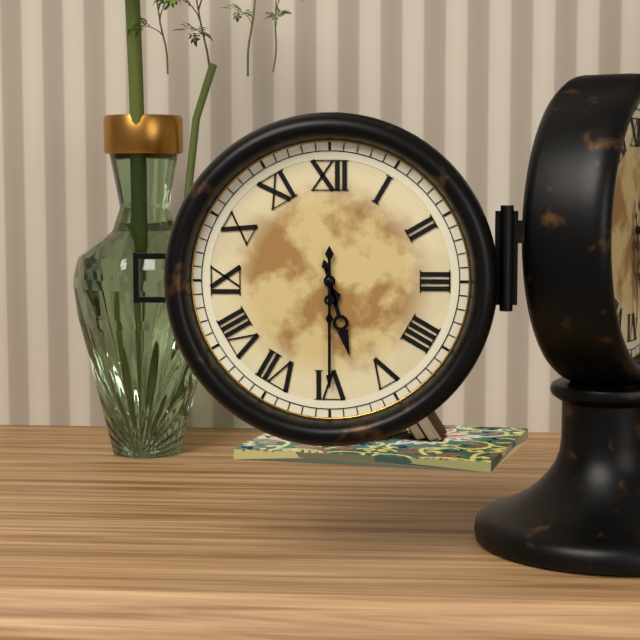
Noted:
5,30
